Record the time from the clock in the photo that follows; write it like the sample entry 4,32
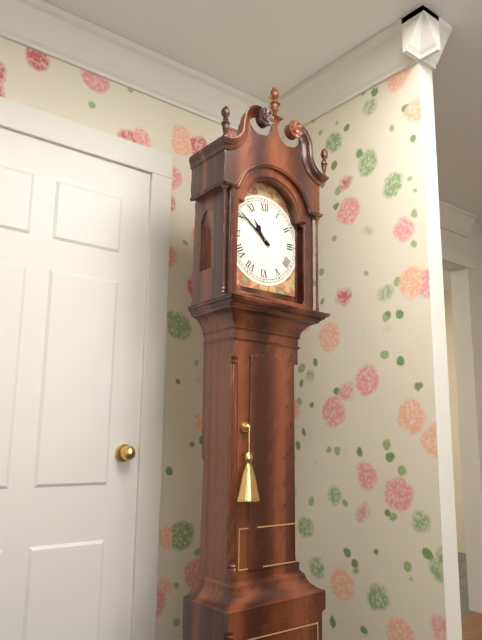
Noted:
10,51
